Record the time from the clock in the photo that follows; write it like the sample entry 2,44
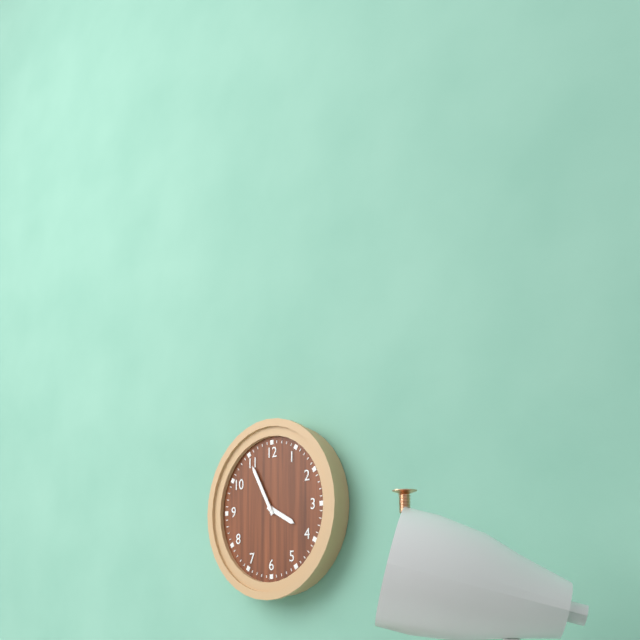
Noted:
3,55
